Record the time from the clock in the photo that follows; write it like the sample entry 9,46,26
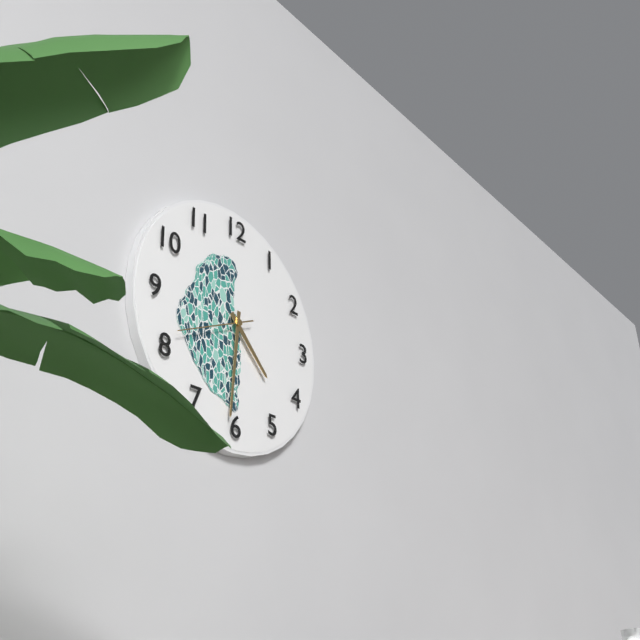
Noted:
4,31,41
